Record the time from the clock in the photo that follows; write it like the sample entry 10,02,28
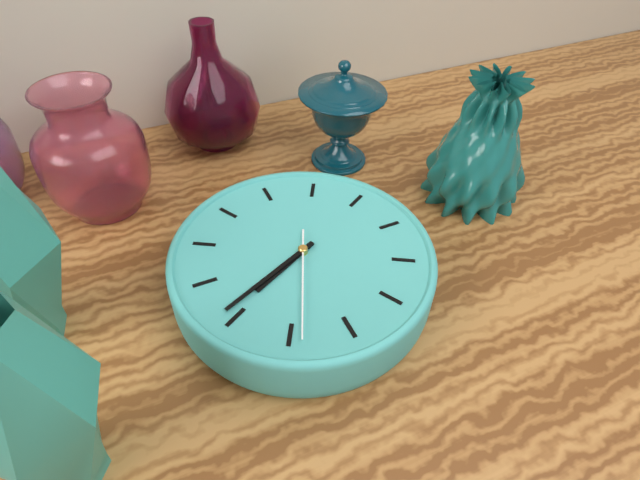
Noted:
1,06,59
